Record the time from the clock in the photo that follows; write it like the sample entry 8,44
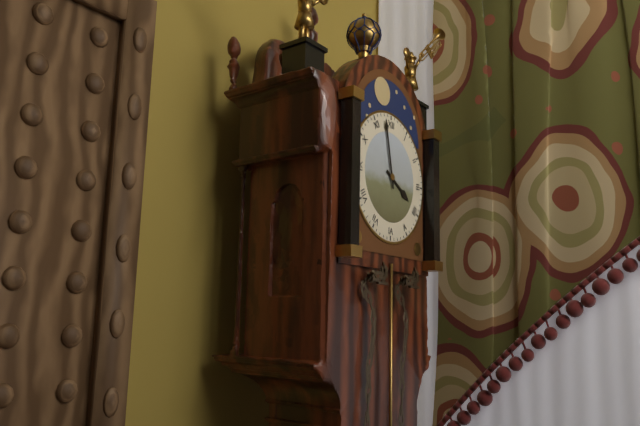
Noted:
3,58
